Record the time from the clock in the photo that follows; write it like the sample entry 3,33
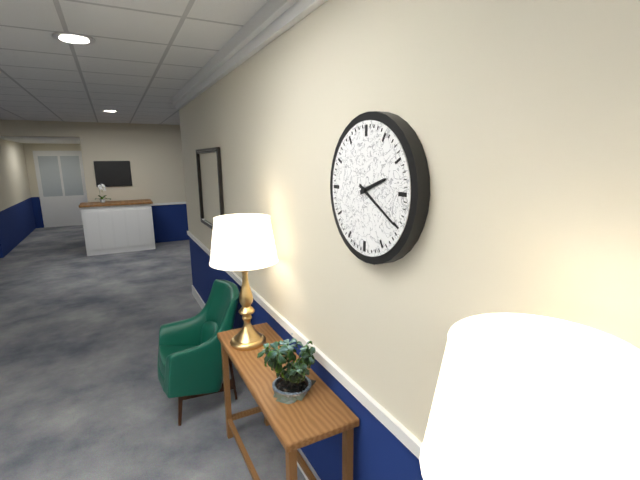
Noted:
2,20
